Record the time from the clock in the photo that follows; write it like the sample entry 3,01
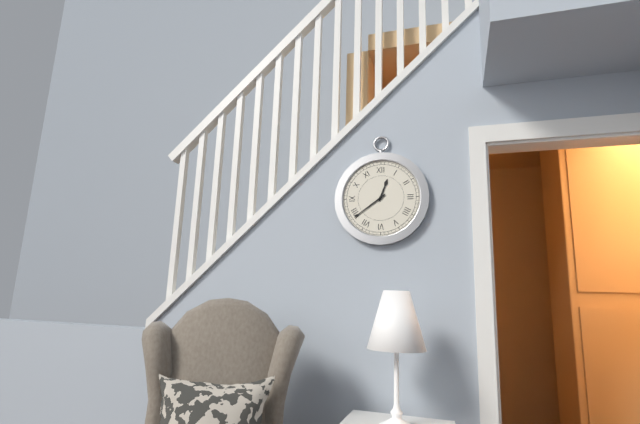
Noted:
12,39
